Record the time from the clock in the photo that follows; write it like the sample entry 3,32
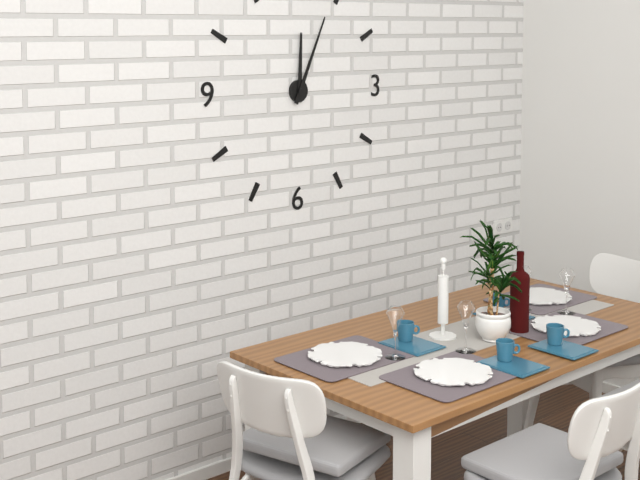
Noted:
12,04
